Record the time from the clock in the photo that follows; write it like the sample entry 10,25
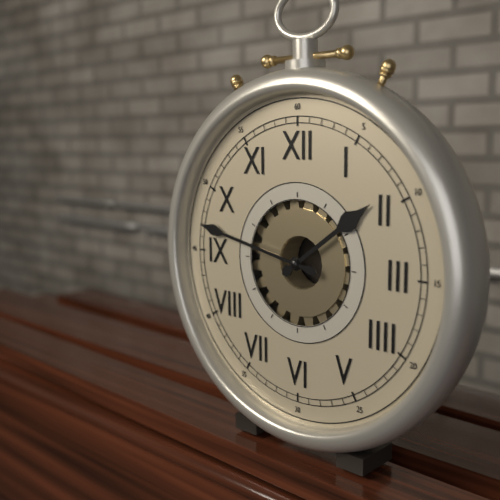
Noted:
1,47
